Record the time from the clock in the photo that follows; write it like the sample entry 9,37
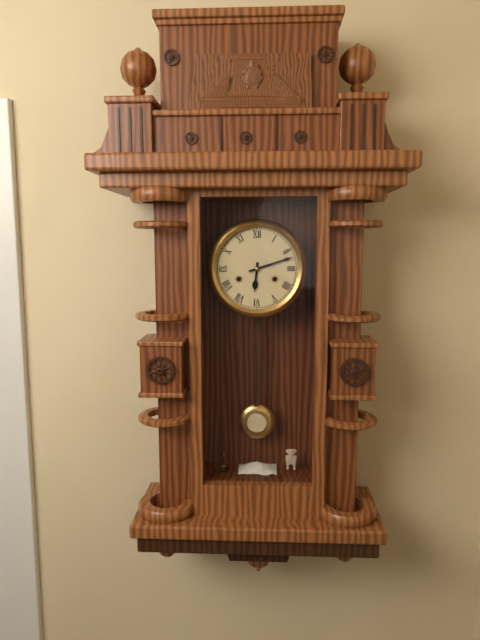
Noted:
6,12
